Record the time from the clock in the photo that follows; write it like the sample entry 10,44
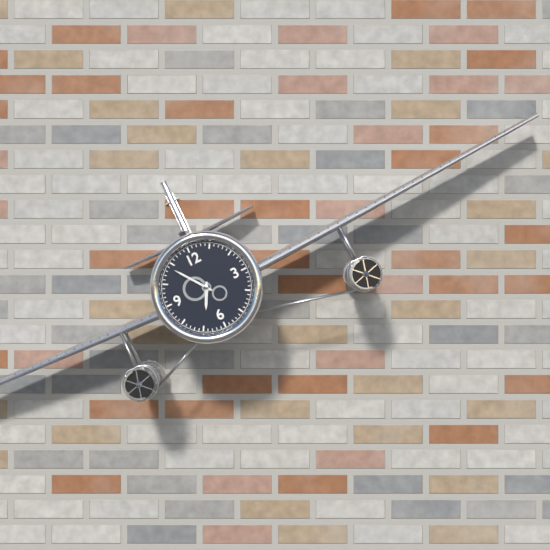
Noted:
6,54
